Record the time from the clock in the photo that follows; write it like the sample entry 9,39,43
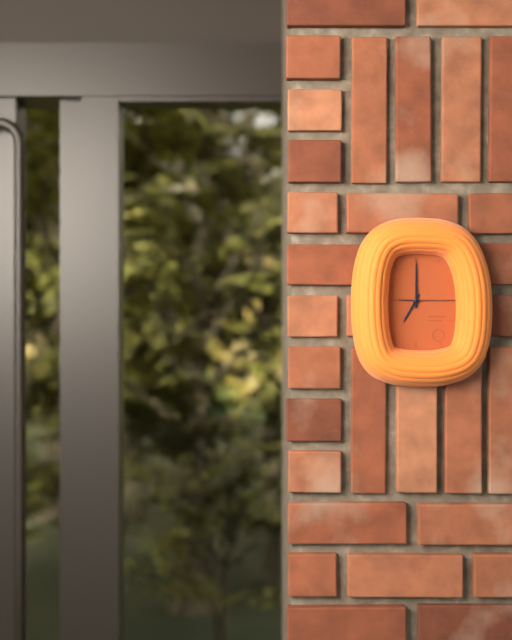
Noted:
7,00,15
